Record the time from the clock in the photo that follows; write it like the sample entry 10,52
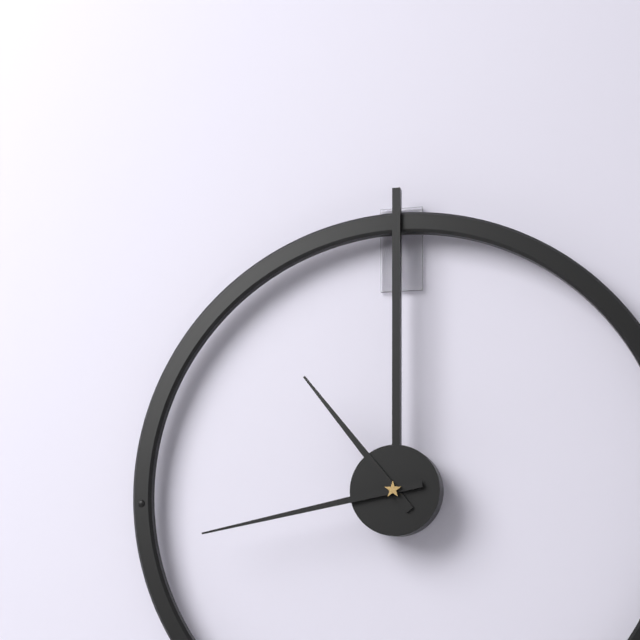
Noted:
10,43
